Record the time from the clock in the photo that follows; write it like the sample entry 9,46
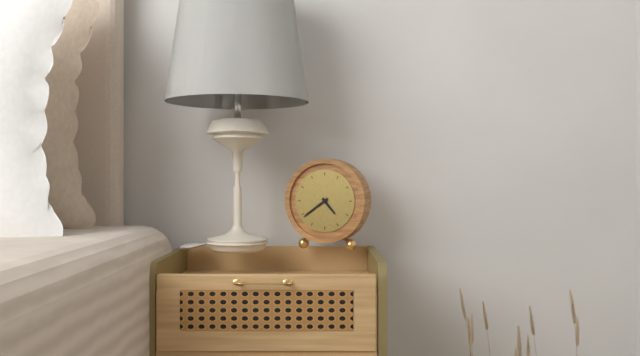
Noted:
4,39
